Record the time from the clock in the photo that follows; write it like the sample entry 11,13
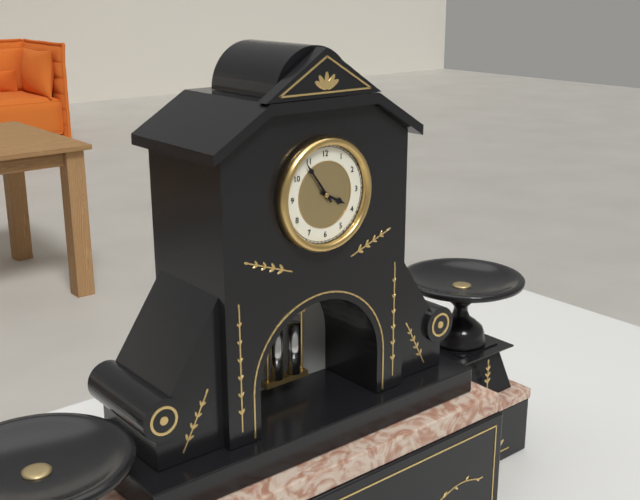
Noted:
3,54
